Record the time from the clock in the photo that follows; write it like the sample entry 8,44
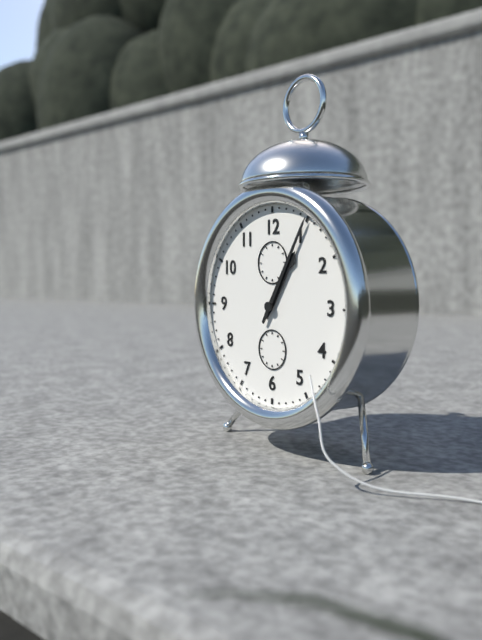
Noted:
1,05
